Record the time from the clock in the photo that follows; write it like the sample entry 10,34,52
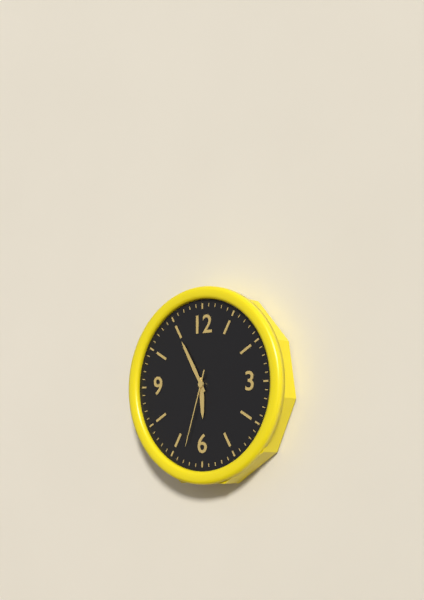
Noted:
5,55,33
